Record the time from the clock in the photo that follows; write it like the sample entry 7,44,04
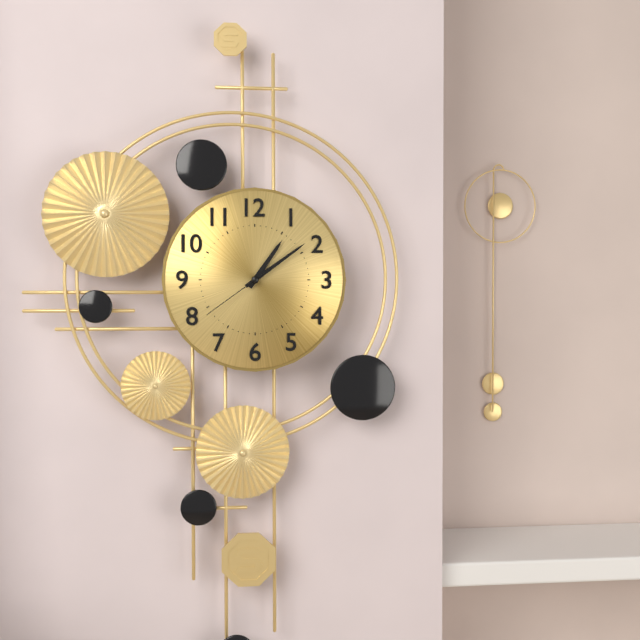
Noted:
1,09,39
